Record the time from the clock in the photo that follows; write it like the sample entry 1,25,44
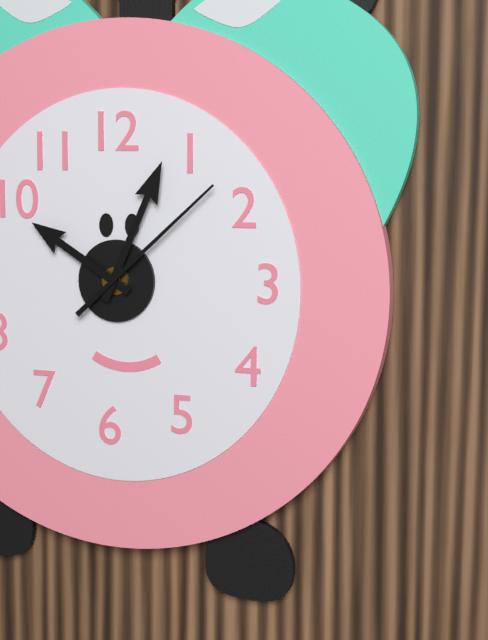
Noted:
10,04,08
